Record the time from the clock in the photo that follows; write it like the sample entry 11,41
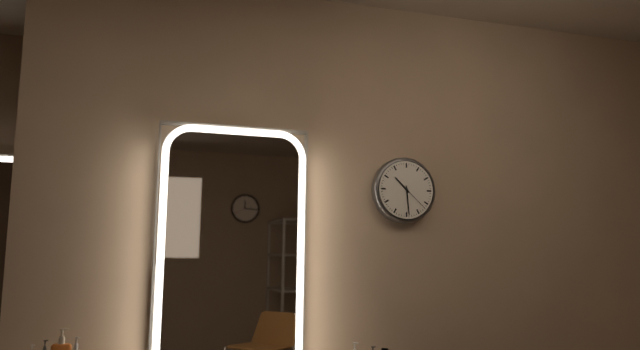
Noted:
10,29
